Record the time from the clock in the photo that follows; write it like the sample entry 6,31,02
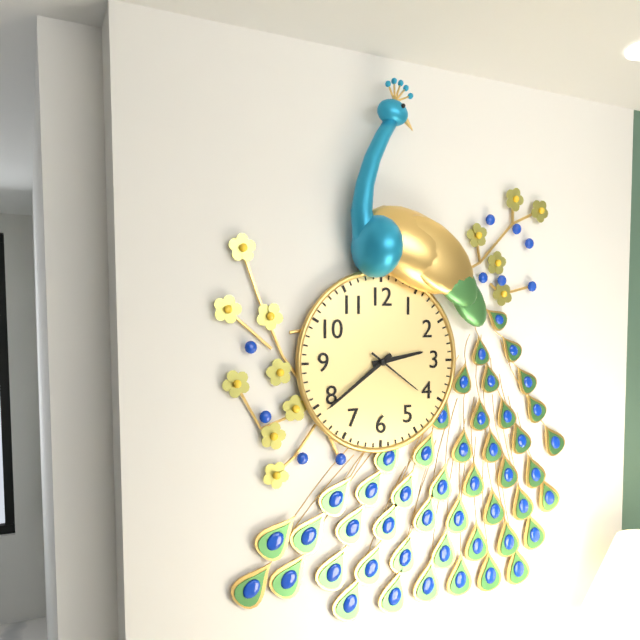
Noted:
2,39,21
